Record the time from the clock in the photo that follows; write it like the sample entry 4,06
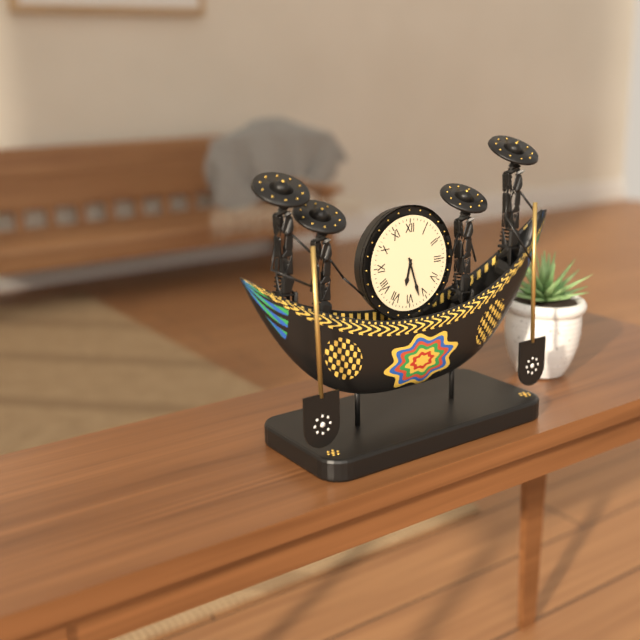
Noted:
6,27
